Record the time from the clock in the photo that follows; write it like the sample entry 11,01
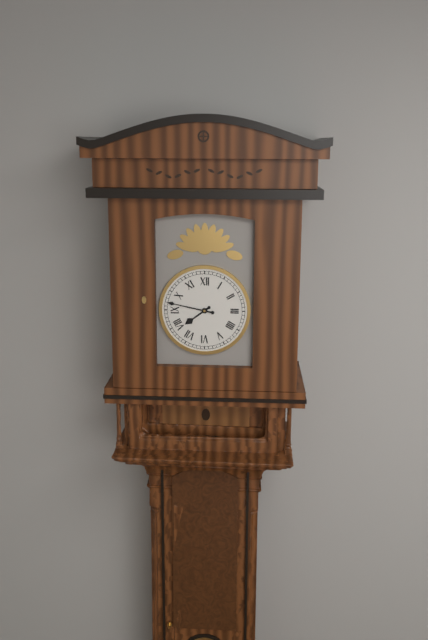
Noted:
7,47
